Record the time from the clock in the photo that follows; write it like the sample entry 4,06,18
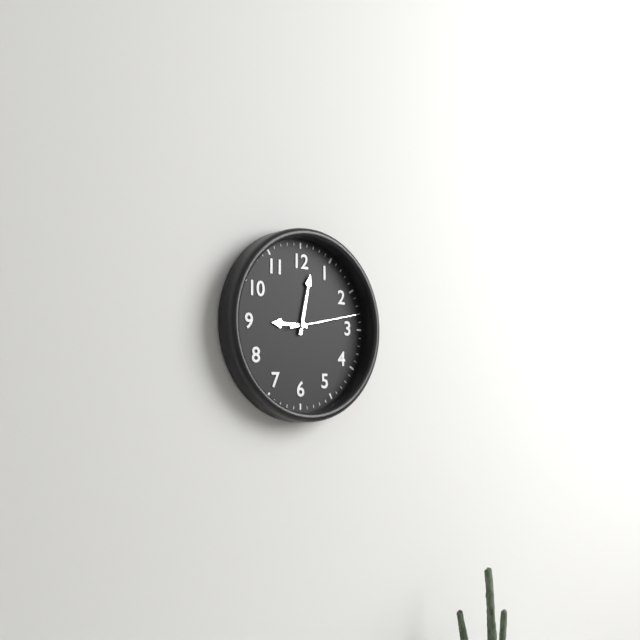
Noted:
9,02,13
